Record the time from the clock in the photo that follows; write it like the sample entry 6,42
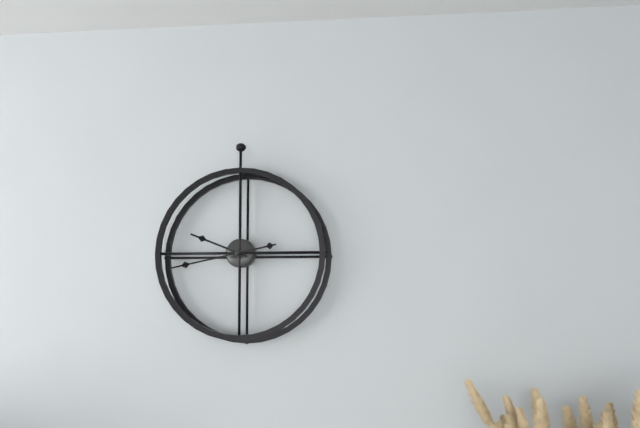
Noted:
9,43
